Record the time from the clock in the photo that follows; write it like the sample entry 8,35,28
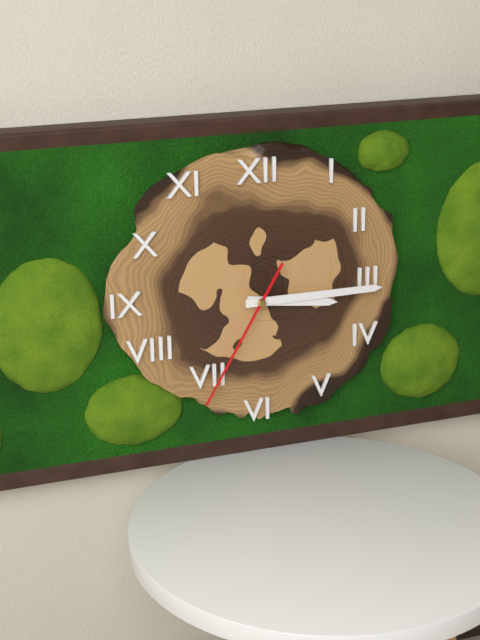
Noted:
3,15,35
